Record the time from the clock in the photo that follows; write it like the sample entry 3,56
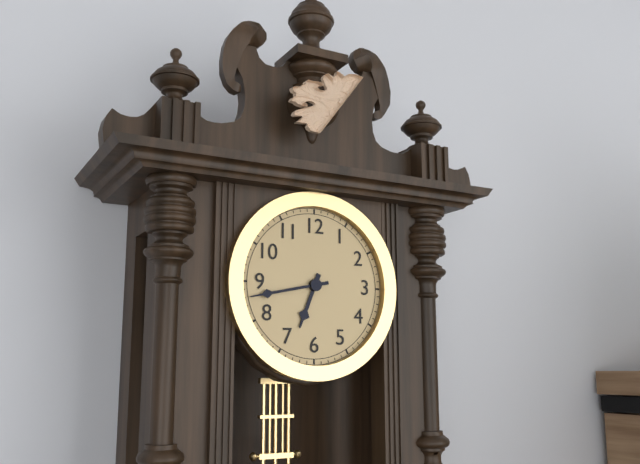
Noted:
6,43
